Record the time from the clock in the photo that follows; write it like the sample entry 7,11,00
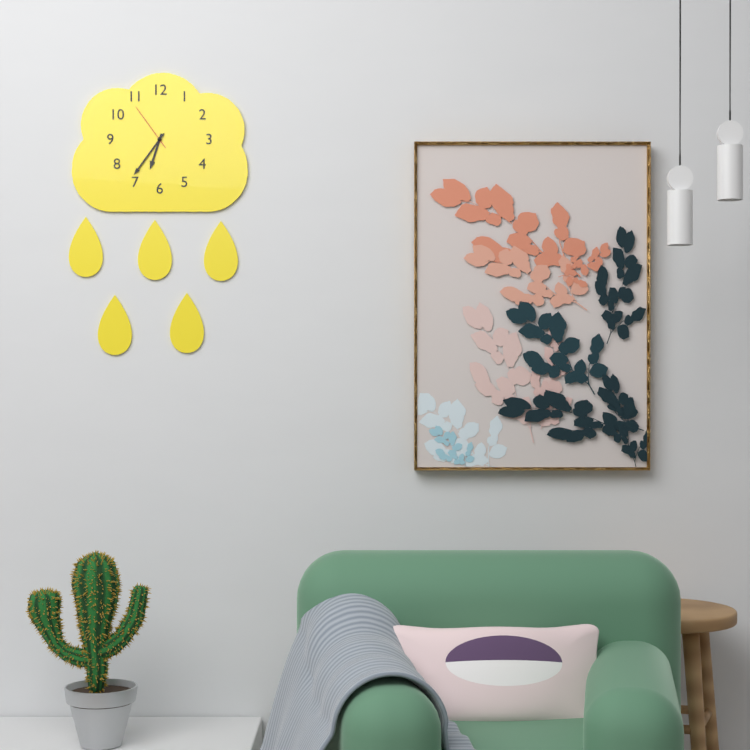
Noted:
6,36,54
